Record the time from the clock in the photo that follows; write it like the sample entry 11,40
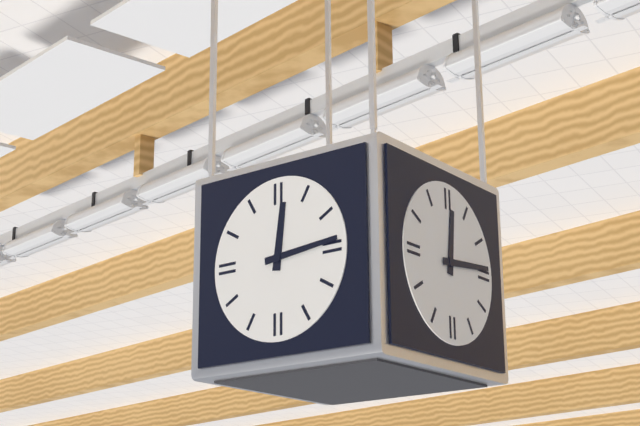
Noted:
12,14
